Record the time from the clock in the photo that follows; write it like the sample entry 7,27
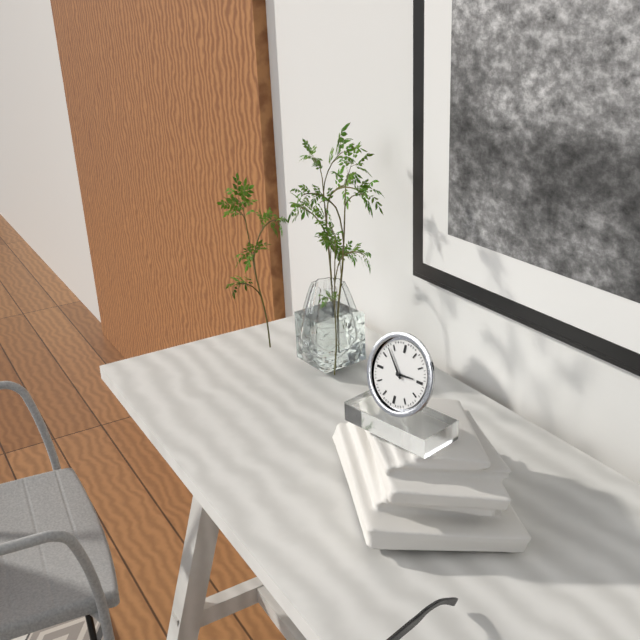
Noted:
2,53
